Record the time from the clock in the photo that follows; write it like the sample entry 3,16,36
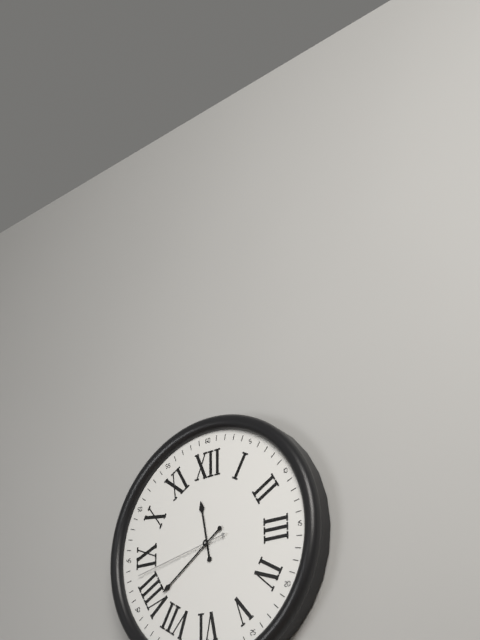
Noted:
11,39,43
